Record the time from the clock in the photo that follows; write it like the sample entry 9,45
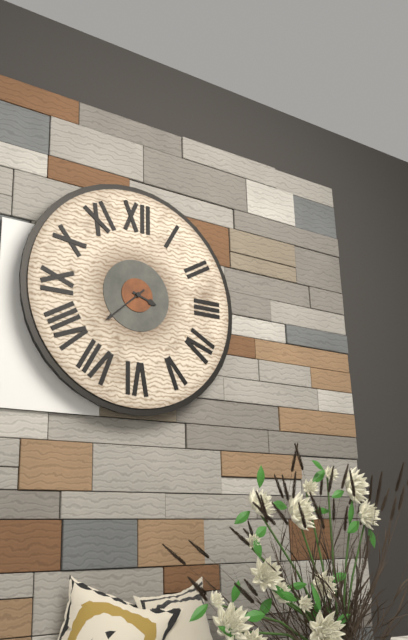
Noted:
3,38
